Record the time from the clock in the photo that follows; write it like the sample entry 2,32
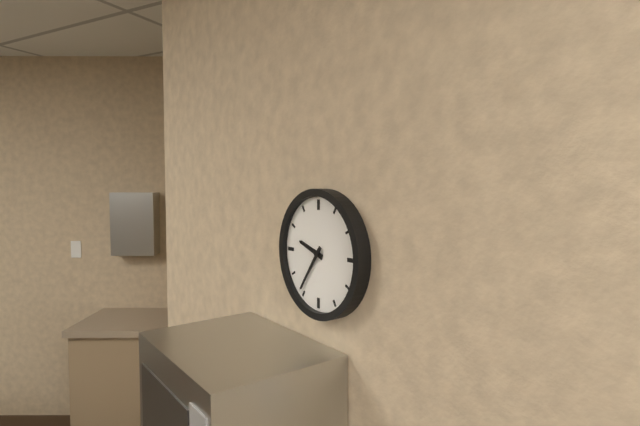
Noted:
9,36
